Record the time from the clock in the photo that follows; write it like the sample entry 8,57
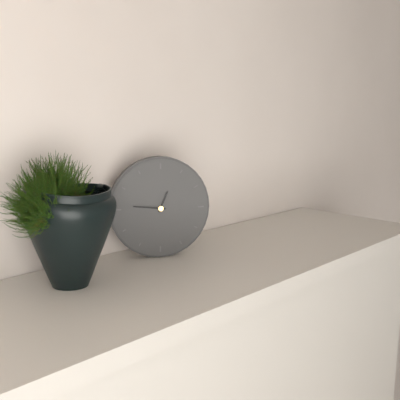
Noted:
12,46
